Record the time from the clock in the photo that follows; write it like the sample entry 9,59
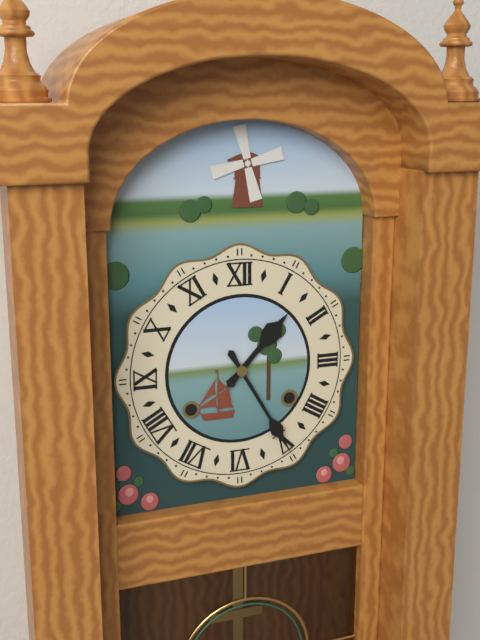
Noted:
1,25
